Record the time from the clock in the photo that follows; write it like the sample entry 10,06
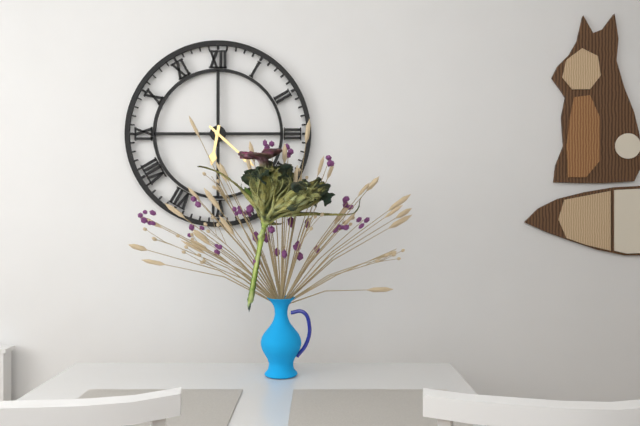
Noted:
6,22
